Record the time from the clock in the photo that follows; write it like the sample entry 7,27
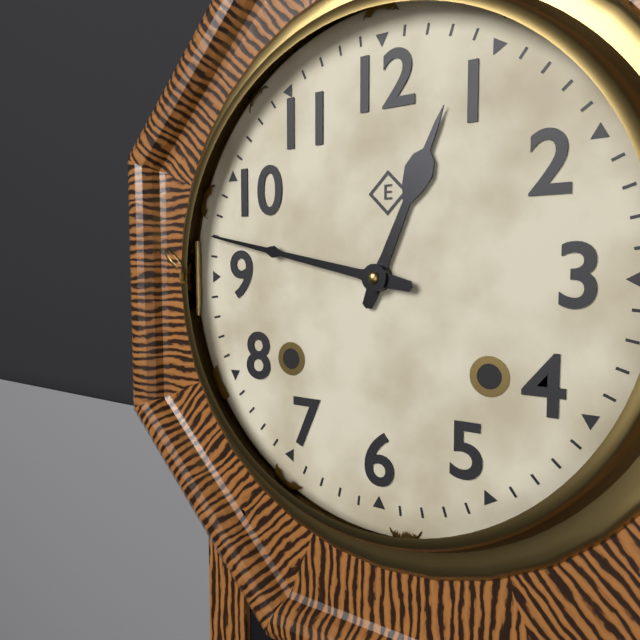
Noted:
12,47
